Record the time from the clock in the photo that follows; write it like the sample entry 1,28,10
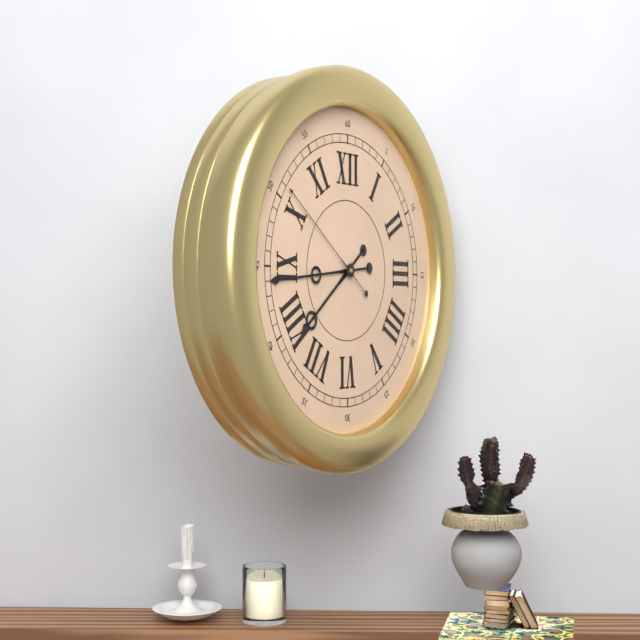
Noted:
7,44,51
